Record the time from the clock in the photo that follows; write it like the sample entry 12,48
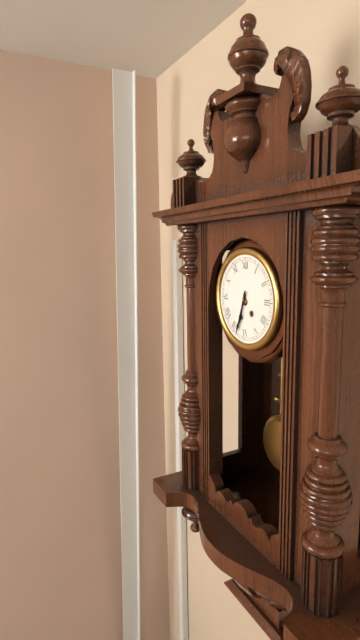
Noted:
6,33
